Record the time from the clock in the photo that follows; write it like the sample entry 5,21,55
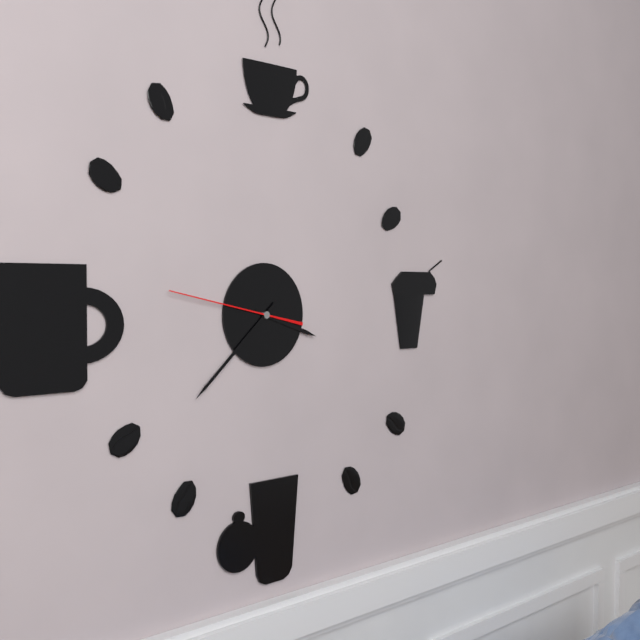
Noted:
3,38,47
